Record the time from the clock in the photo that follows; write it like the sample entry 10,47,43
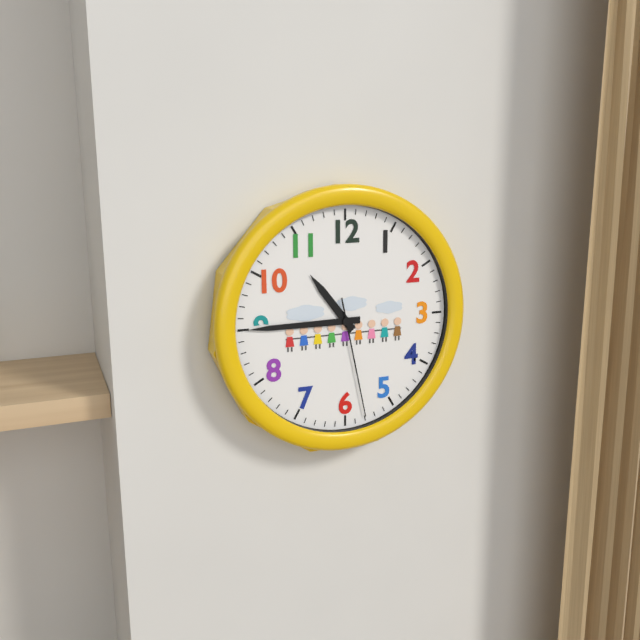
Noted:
10,45,28
